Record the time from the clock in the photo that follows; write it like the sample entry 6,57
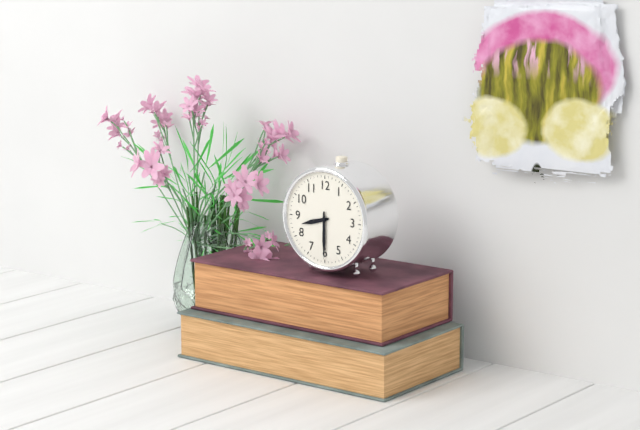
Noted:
8,30
